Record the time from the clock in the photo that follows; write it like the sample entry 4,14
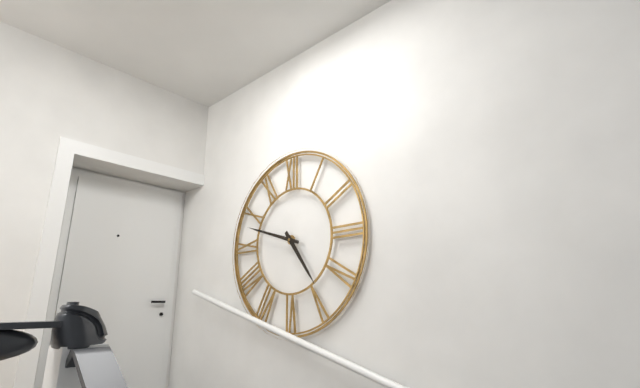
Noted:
4,48
